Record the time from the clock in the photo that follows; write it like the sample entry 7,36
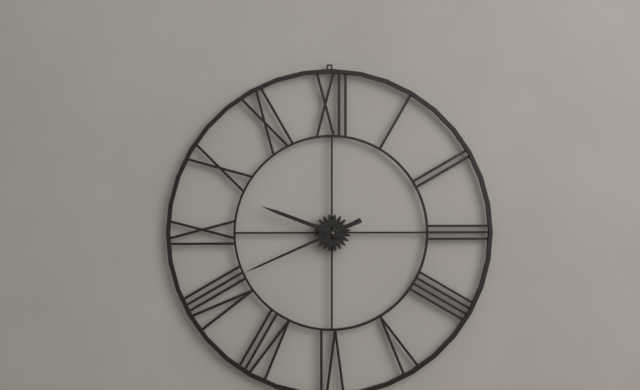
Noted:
9,41
